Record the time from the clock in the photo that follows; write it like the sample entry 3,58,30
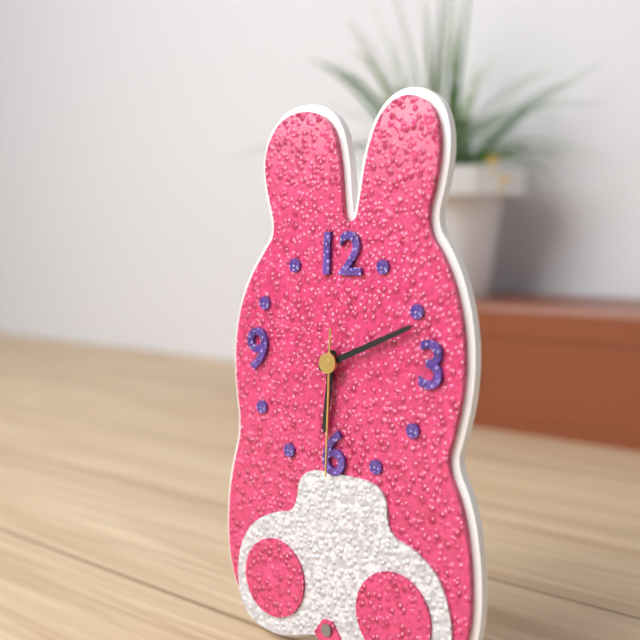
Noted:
6,11,30
